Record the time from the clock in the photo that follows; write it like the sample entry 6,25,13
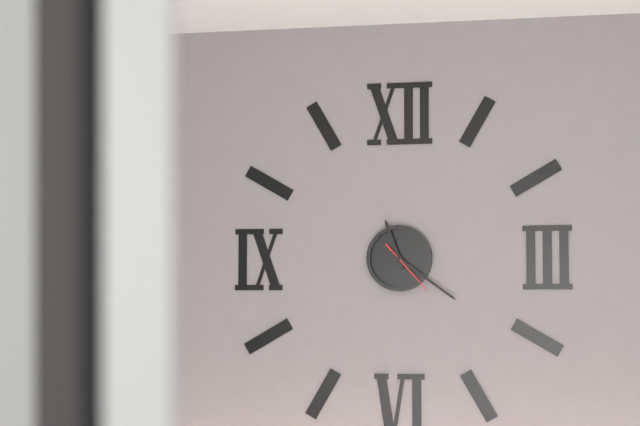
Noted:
11,21,23
